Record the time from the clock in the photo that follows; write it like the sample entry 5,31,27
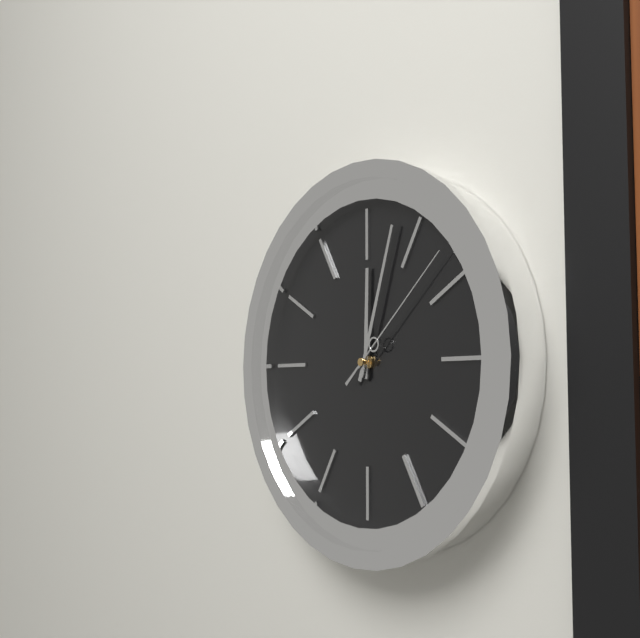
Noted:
12,03,08
